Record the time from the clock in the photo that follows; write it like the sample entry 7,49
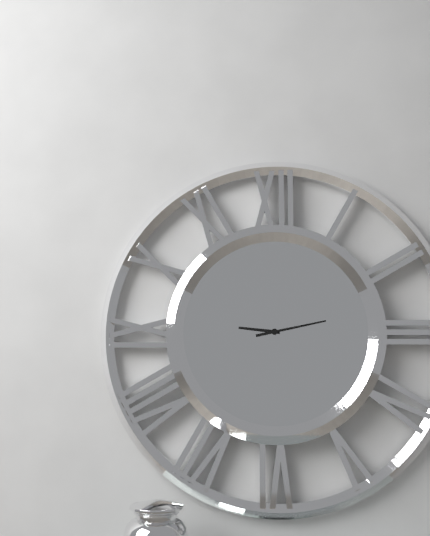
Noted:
9,13
